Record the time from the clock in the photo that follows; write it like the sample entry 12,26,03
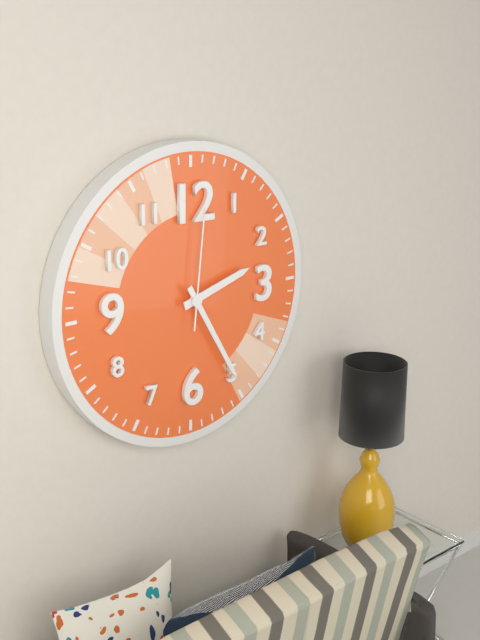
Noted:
2,25,01
